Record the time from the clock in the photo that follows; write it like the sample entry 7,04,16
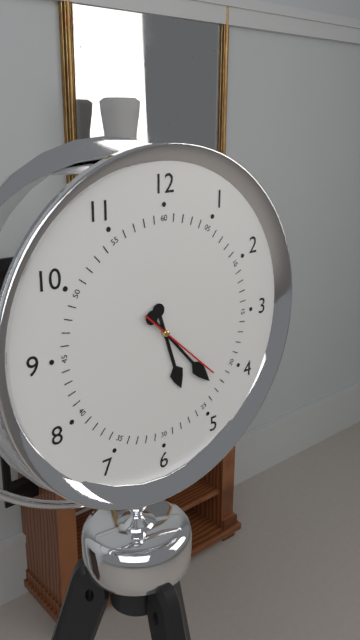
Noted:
5,23,22
